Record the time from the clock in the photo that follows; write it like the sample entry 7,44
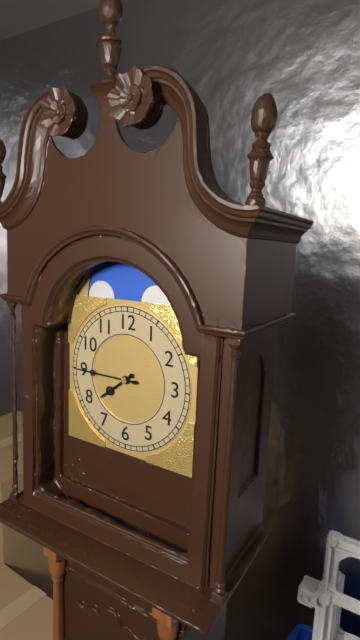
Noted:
7,45
